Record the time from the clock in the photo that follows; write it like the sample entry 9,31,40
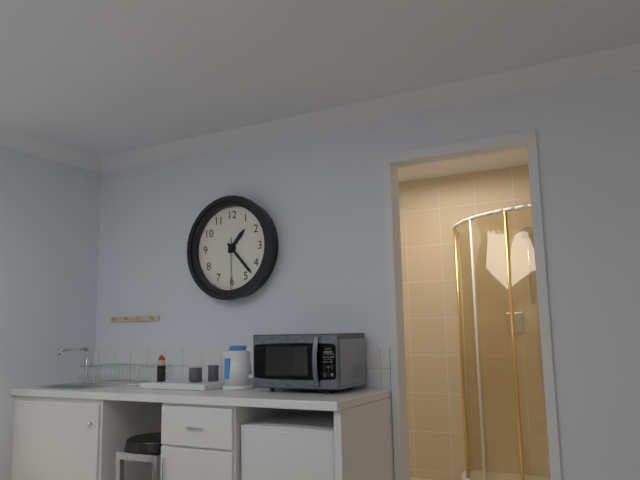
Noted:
1,23,30
